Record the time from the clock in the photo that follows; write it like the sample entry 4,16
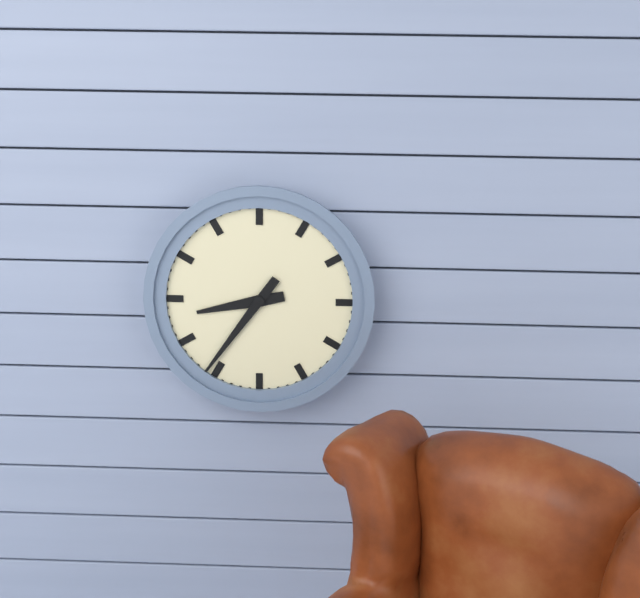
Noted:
8,36
